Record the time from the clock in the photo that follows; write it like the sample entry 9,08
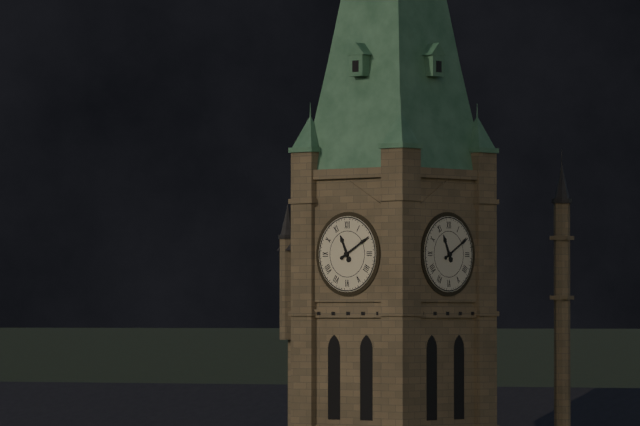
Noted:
11,10
